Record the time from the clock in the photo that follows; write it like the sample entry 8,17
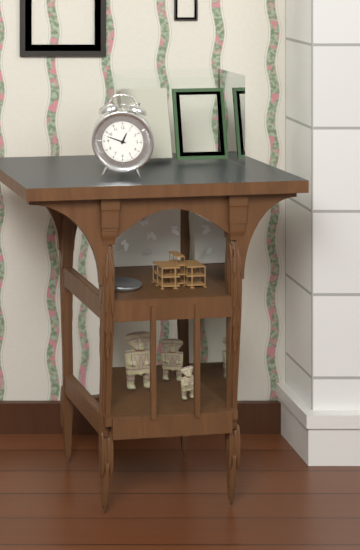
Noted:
12,48
